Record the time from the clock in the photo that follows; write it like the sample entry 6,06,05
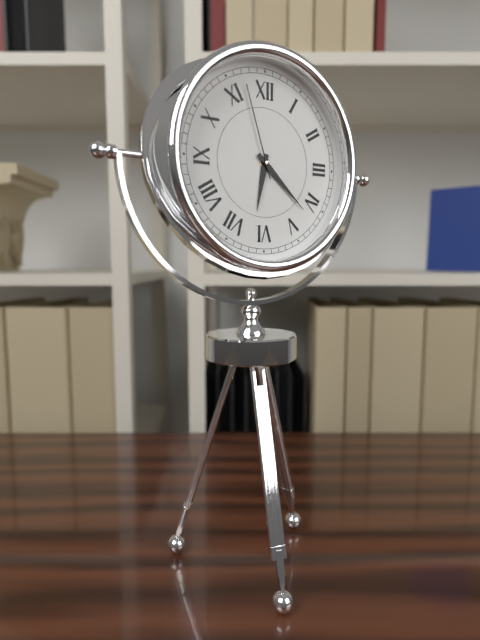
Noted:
6,22,57
